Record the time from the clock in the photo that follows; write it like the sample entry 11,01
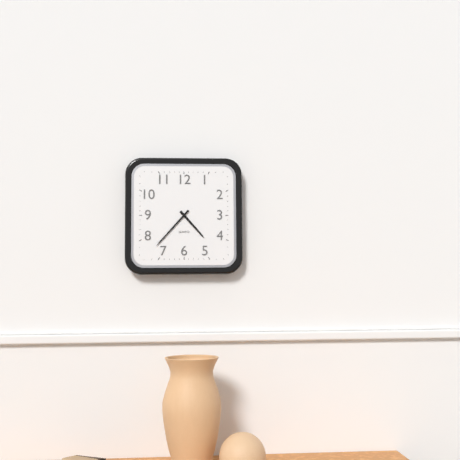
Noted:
4,37
